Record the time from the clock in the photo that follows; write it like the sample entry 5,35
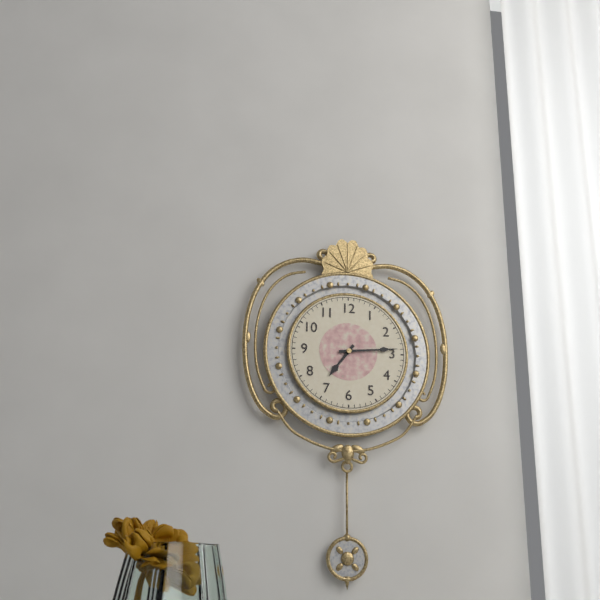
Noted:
7,14
